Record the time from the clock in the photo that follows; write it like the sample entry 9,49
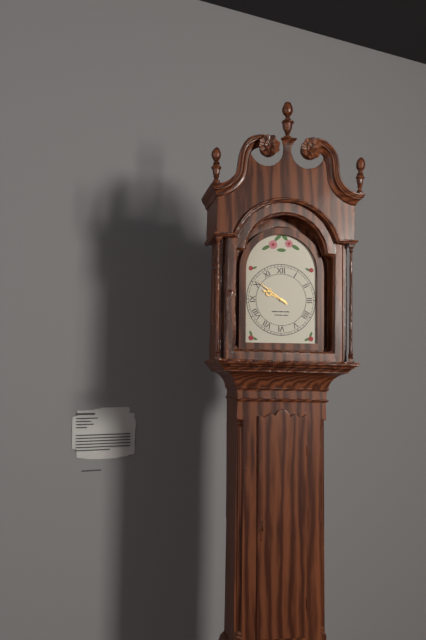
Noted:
9,51
